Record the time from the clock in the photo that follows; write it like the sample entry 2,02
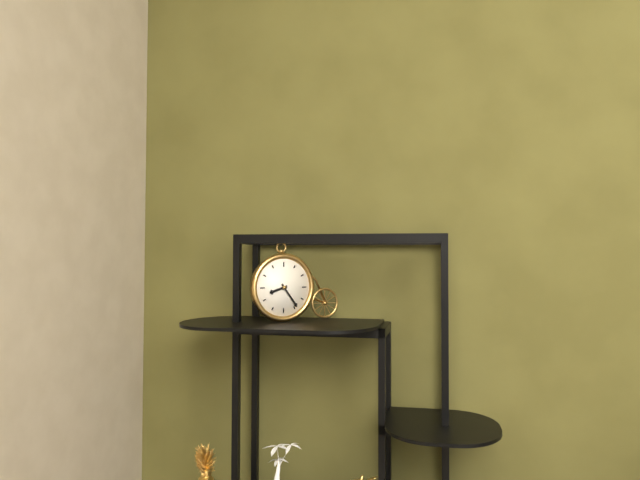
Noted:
8,24
